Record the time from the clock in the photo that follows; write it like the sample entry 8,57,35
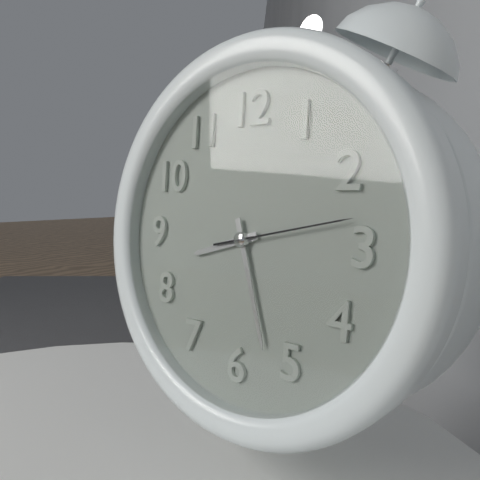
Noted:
8,27,13
